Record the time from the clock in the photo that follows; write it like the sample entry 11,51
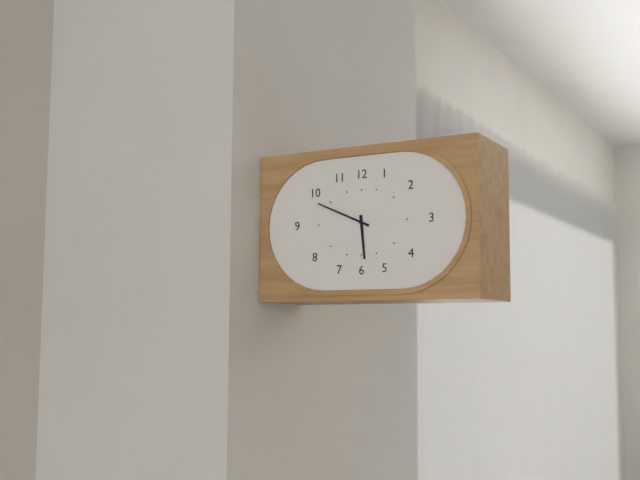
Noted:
5,49
